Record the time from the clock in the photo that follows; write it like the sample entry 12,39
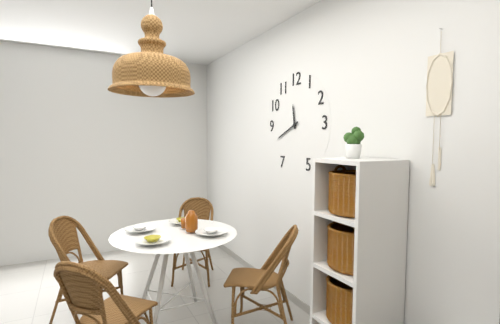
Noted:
11,41
